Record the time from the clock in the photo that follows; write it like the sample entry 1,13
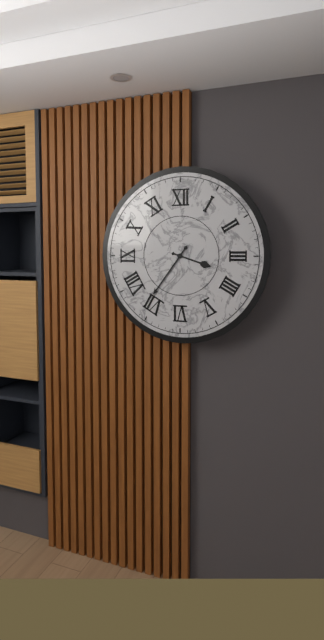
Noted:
3,36
